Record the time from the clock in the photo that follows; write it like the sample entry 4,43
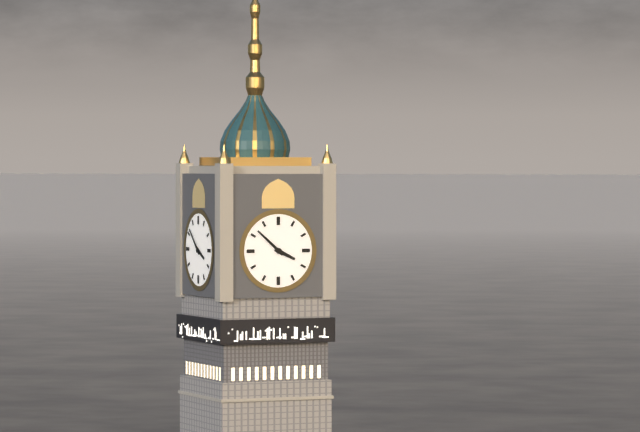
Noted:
3,52
